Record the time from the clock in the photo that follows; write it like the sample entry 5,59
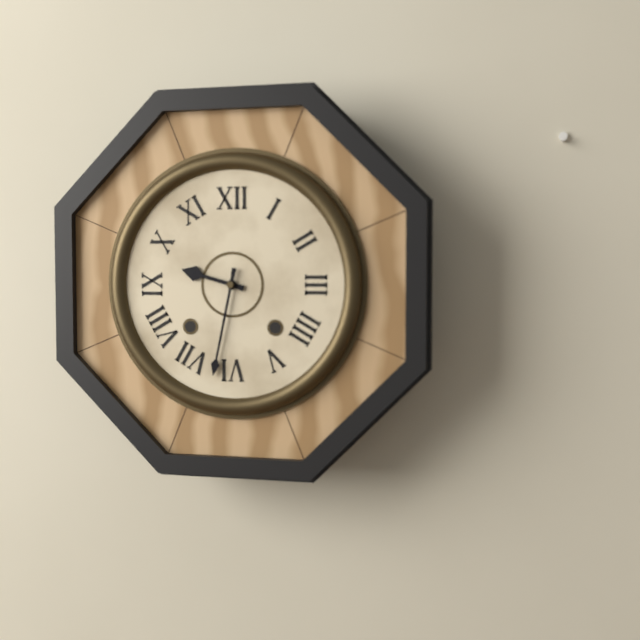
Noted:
9,32
